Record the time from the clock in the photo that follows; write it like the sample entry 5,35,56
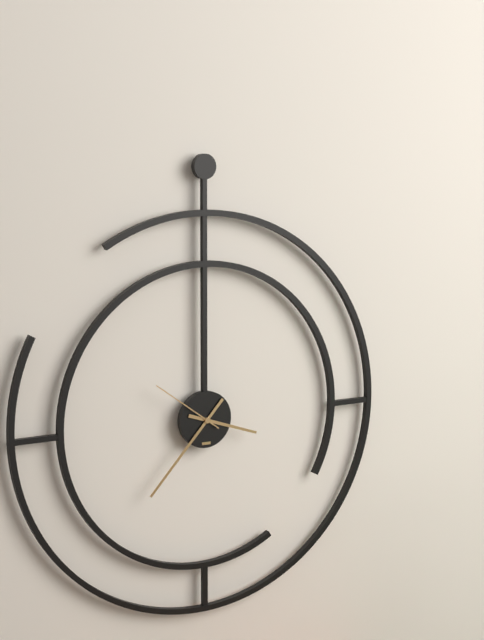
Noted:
3,37,51
